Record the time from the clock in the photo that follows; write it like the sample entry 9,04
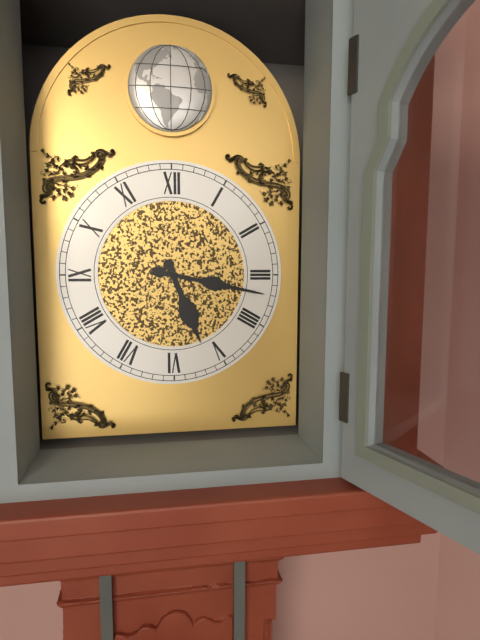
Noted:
5,17
